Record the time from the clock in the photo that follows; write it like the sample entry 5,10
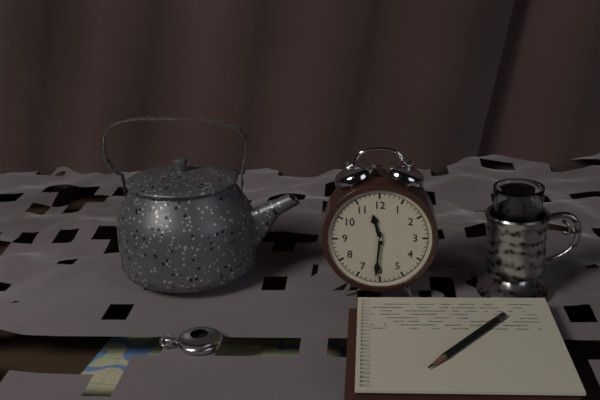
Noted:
11,31
